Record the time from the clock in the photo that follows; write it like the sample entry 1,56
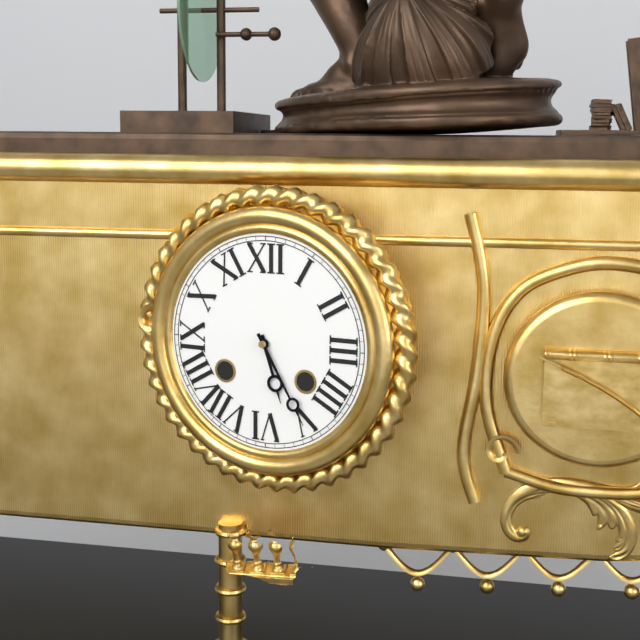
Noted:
5,25
